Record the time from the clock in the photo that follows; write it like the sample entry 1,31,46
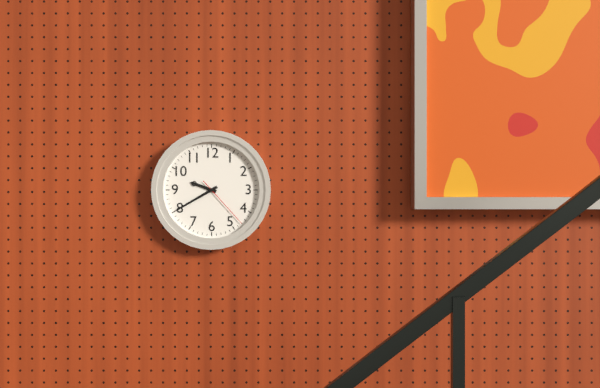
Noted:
9,40,23
